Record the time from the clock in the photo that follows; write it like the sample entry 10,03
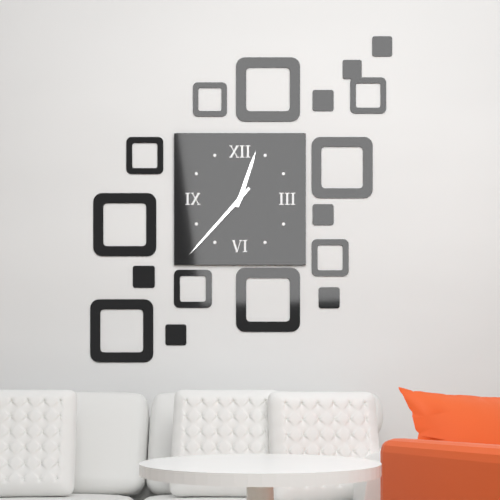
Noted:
12,37
